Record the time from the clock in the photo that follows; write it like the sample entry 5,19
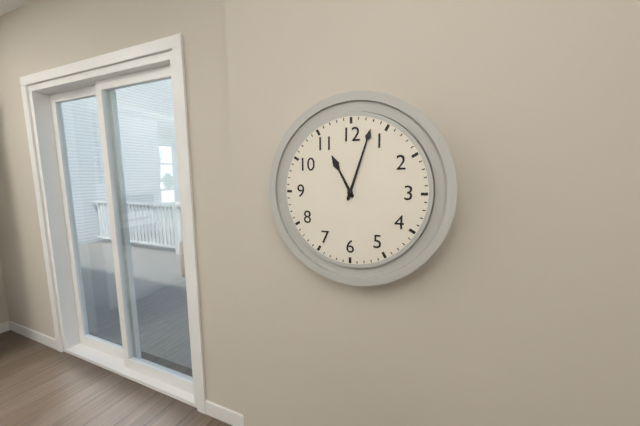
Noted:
11,03
